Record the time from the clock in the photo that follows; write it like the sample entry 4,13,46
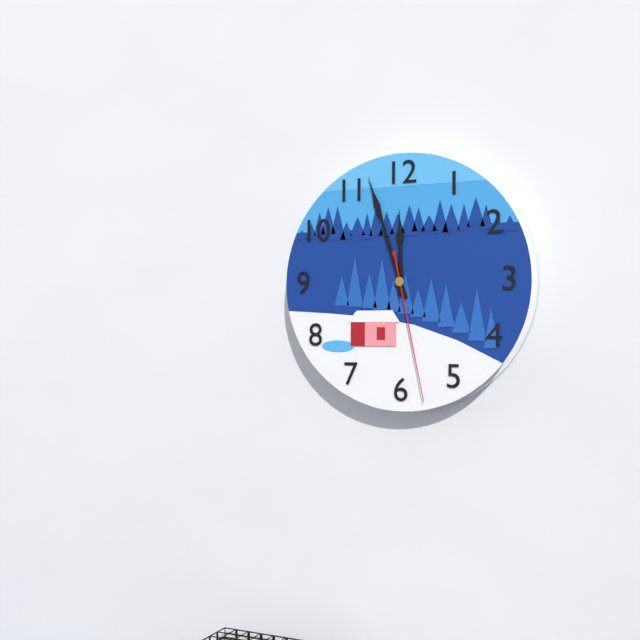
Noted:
11,57,28
